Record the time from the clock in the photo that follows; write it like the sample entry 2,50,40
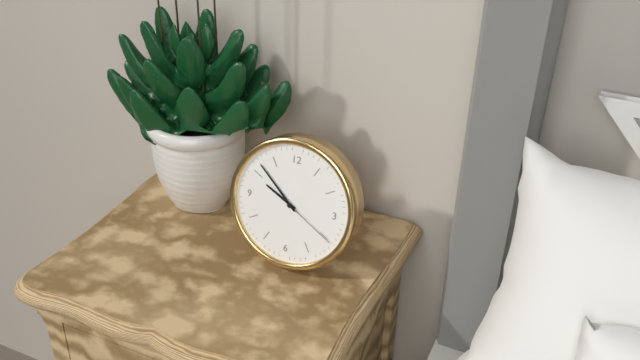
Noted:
9,52,20
